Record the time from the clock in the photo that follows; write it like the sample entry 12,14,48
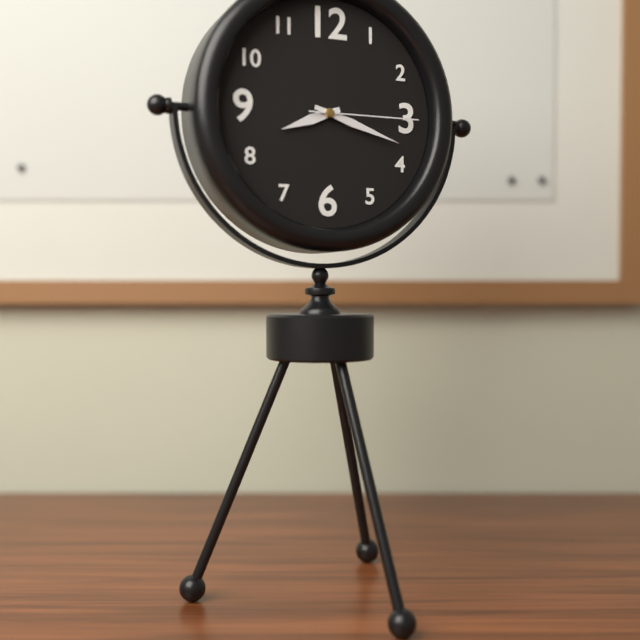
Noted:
8,18,15
